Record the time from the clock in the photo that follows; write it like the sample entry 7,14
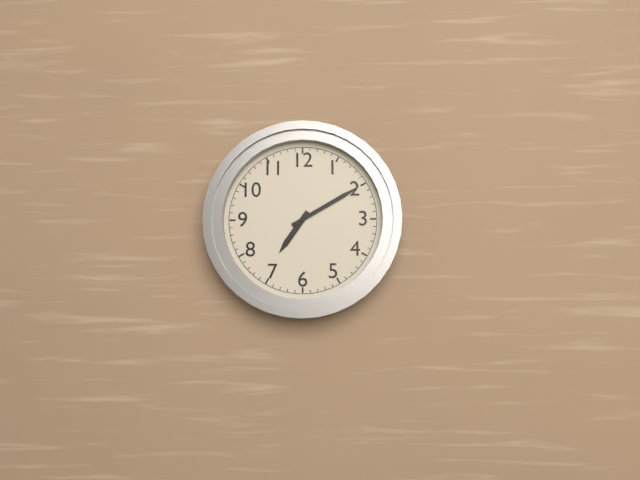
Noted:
7,10
